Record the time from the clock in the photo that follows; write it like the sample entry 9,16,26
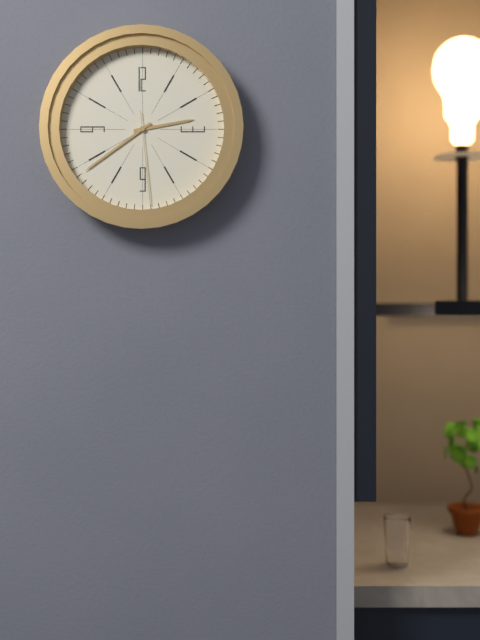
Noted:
2,39,29
